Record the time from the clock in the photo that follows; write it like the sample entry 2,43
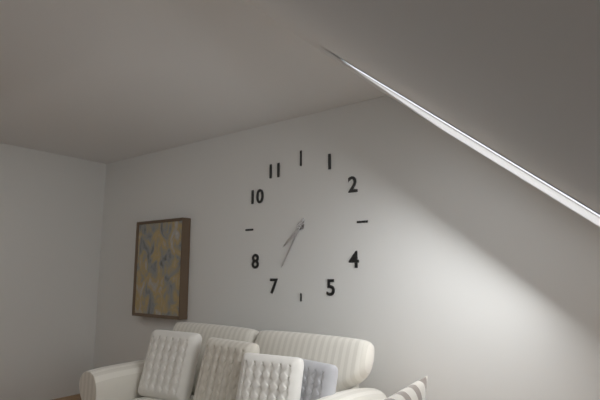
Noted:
7,35
